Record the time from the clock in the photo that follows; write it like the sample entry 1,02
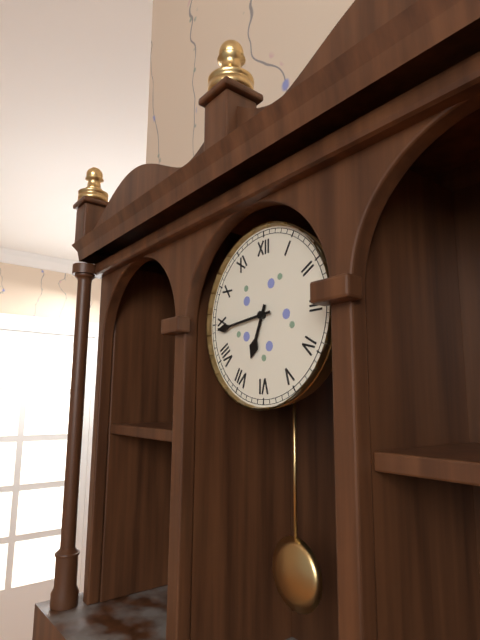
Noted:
6,44
